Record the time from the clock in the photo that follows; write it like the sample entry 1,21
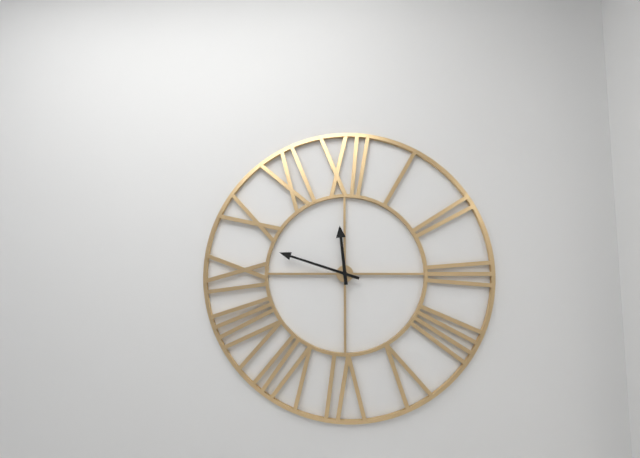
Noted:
11,48
